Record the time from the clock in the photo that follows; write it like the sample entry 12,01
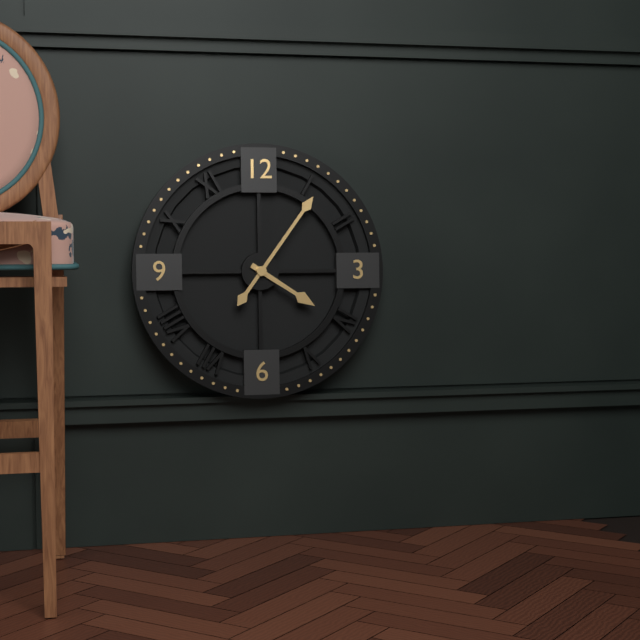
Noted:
4,06
